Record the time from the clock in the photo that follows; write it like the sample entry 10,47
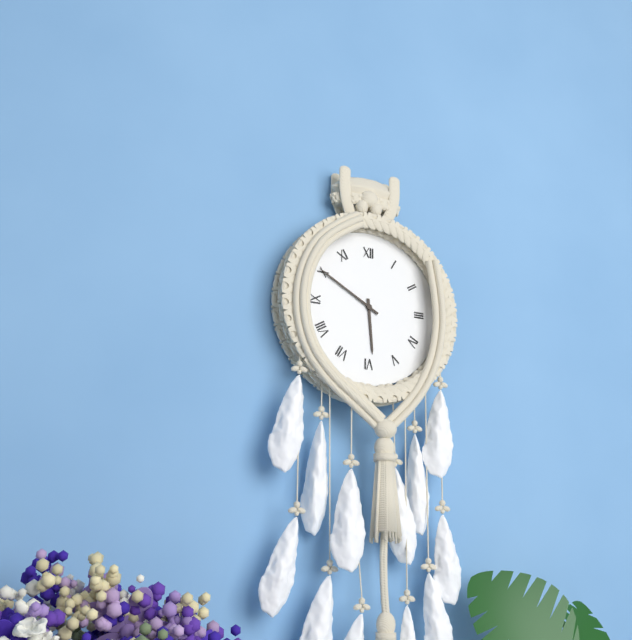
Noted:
5,50
